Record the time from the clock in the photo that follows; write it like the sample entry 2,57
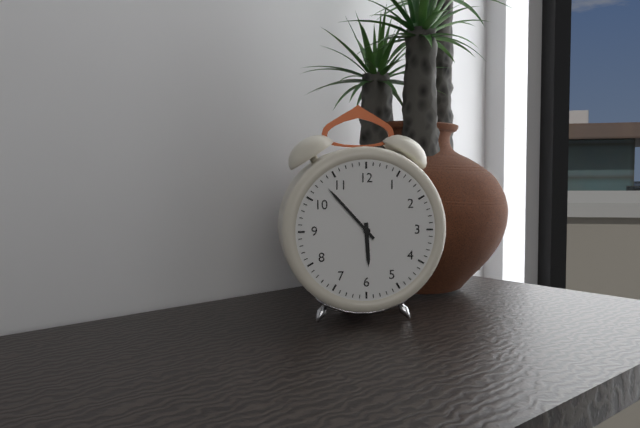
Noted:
5,53
